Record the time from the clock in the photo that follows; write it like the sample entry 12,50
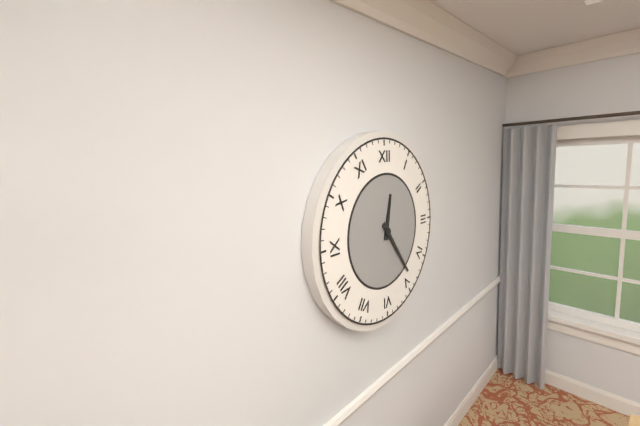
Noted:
12,24
